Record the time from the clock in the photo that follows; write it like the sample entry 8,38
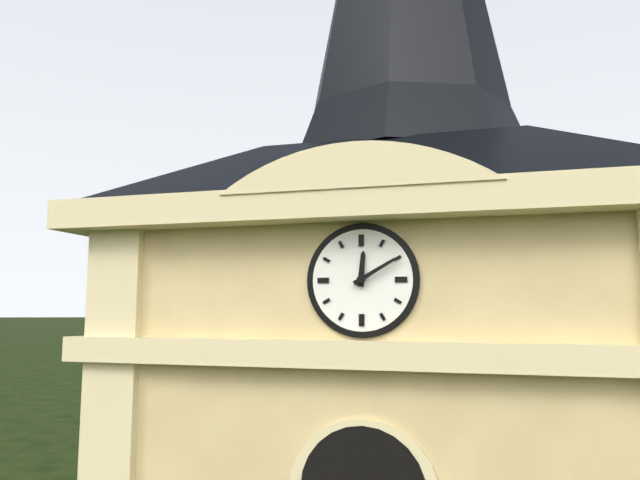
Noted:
12,10
